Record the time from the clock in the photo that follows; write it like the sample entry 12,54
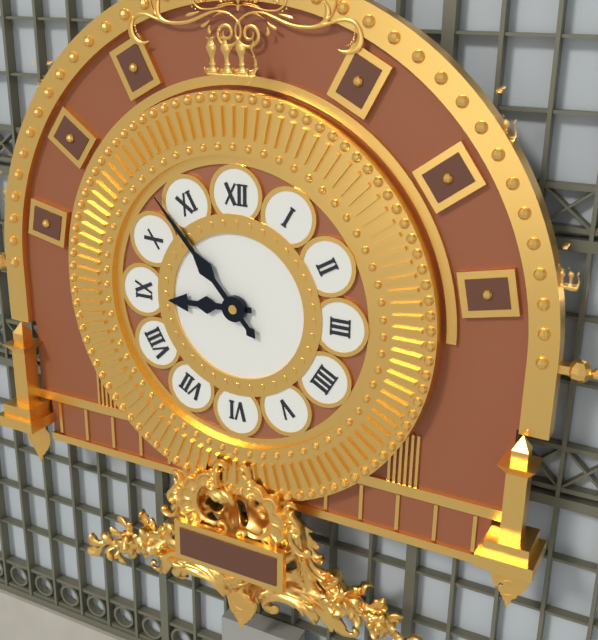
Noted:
8,53
